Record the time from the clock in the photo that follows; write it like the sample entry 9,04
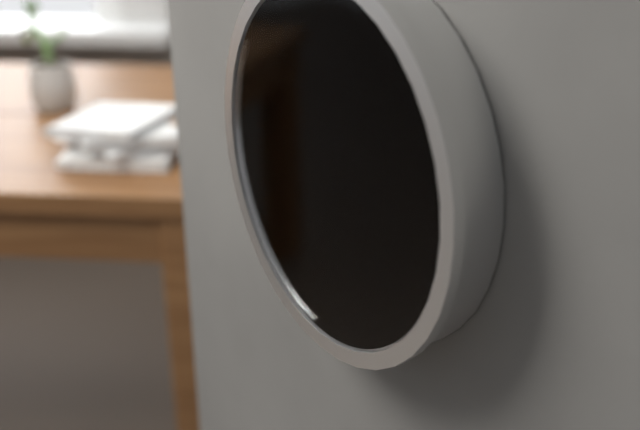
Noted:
9,22
